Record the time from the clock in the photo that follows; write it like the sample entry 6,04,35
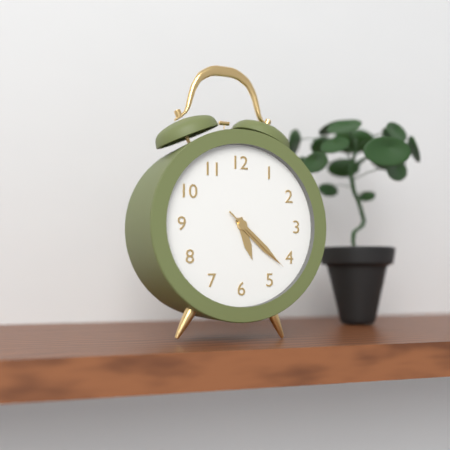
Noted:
5,22,22
